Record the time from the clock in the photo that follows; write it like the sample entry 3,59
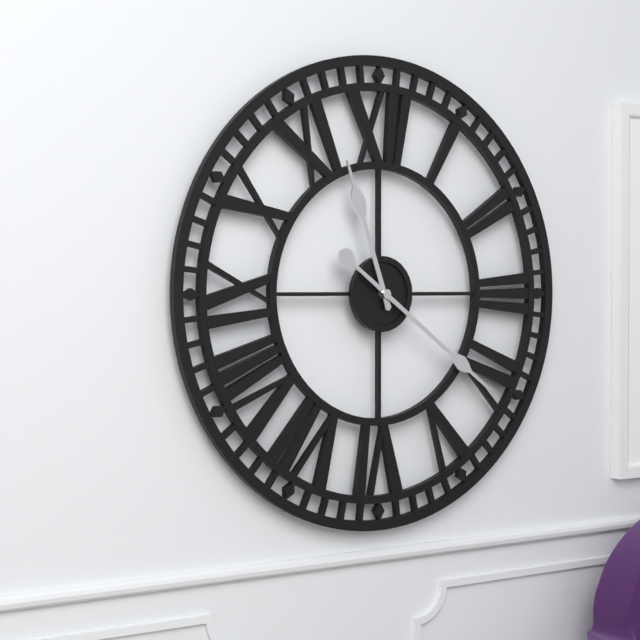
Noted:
11,21
